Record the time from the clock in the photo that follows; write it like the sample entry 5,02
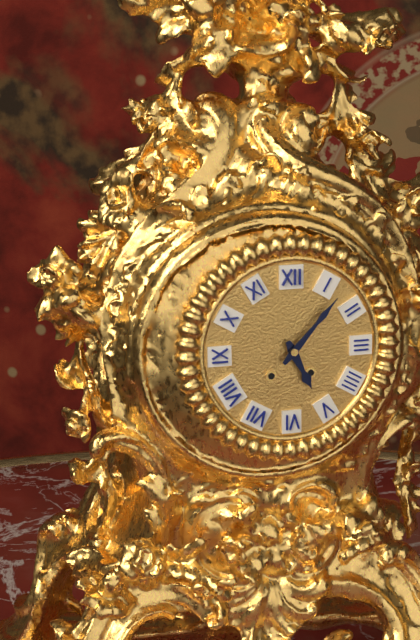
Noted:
5,07
